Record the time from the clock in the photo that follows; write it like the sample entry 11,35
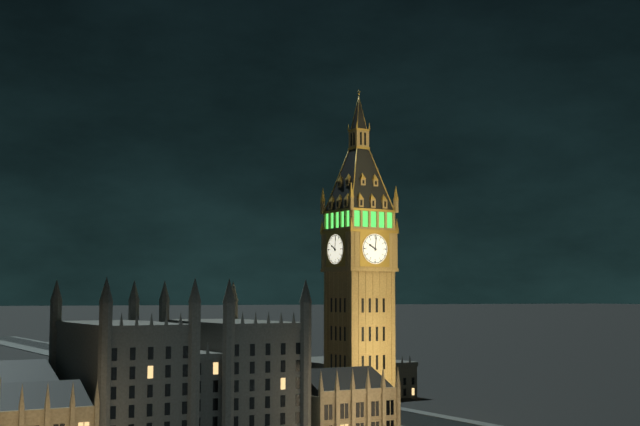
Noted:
10,01
